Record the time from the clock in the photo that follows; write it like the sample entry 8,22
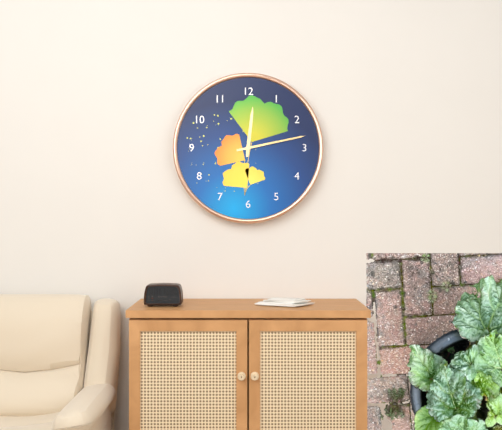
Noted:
12,13
